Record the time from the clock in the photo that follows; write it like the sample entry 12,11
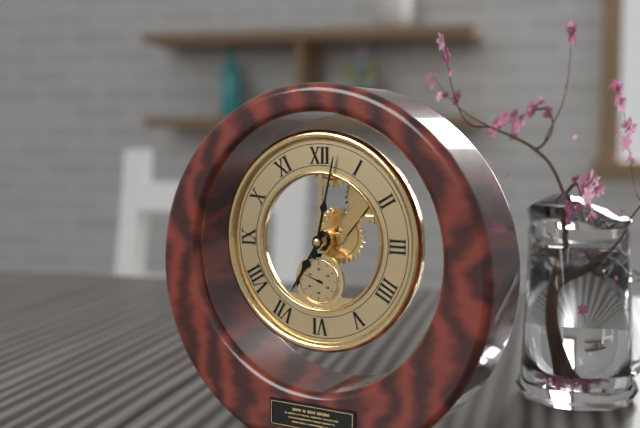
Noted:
7,02
